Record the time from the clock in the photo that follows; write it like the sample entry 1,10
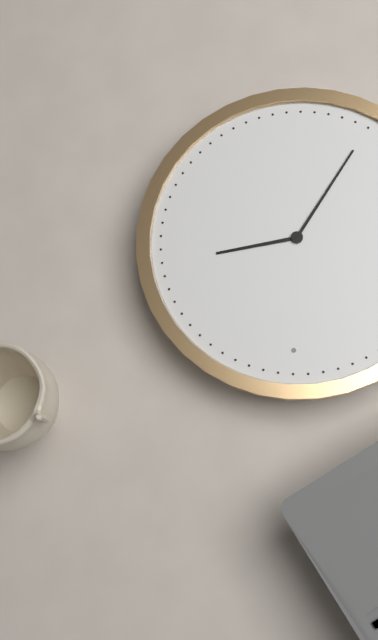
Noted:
2,35
